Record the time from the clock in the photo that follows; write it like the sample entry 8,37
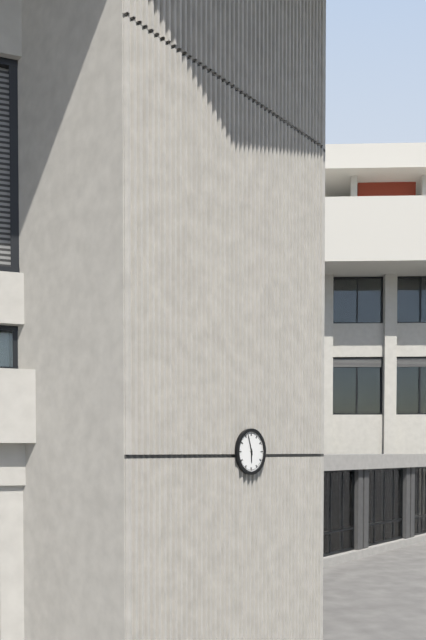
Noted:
5,57
